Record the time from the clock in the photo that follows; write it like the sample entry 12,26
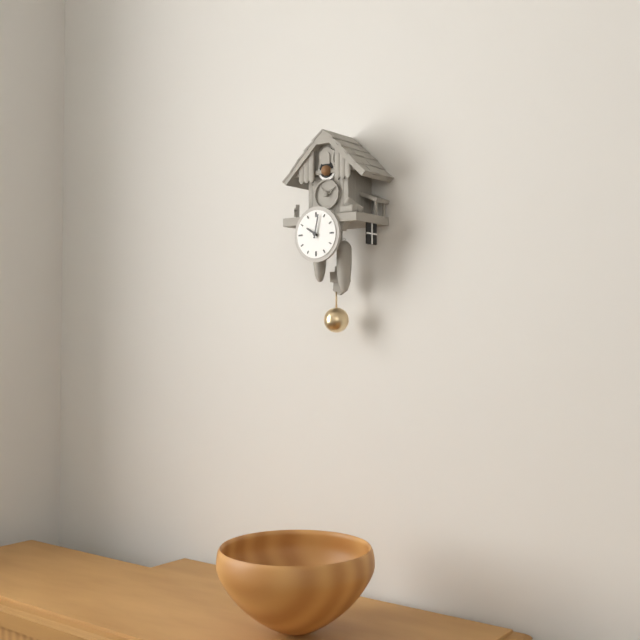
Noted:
10,02
